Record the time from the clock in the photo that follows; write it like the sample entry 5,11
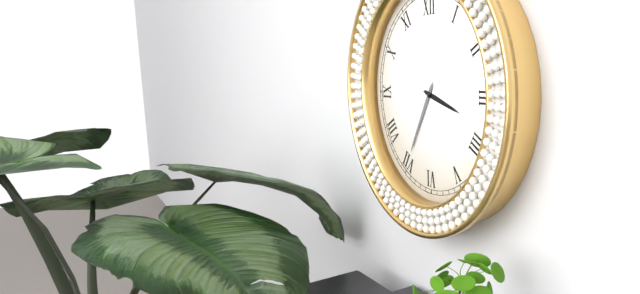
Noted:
3,35
